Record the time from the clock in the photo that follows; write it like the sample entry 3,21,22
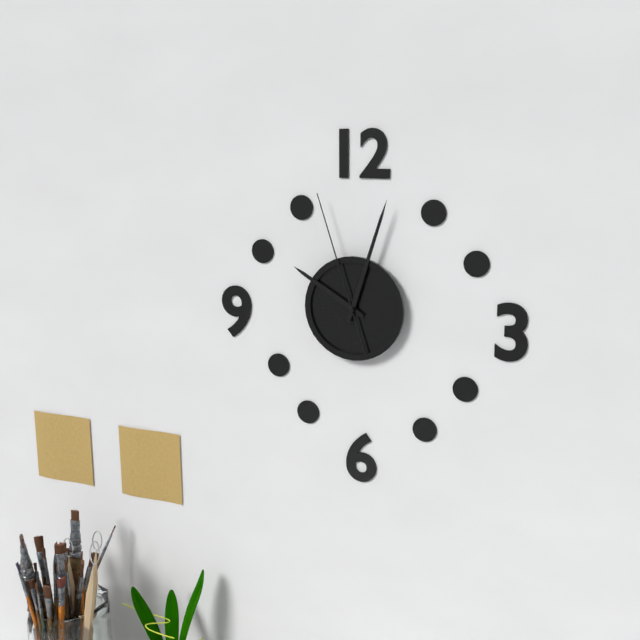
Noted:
10,03,57
